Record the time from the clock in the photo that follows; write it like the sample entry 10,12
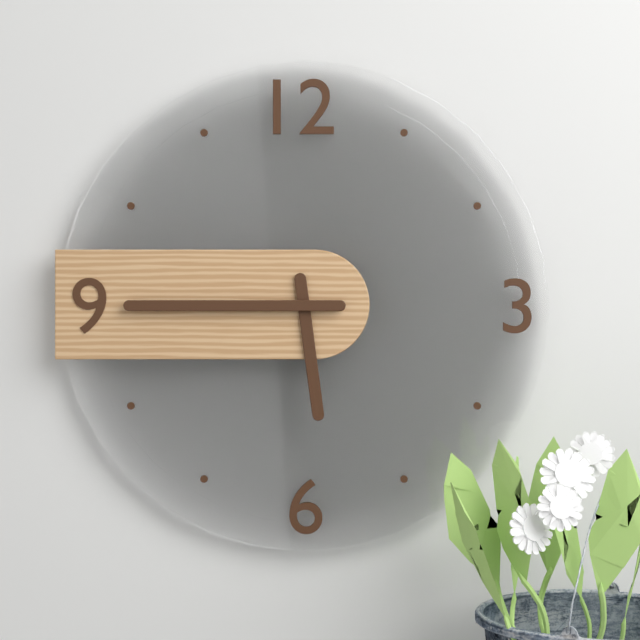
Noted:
5,45
